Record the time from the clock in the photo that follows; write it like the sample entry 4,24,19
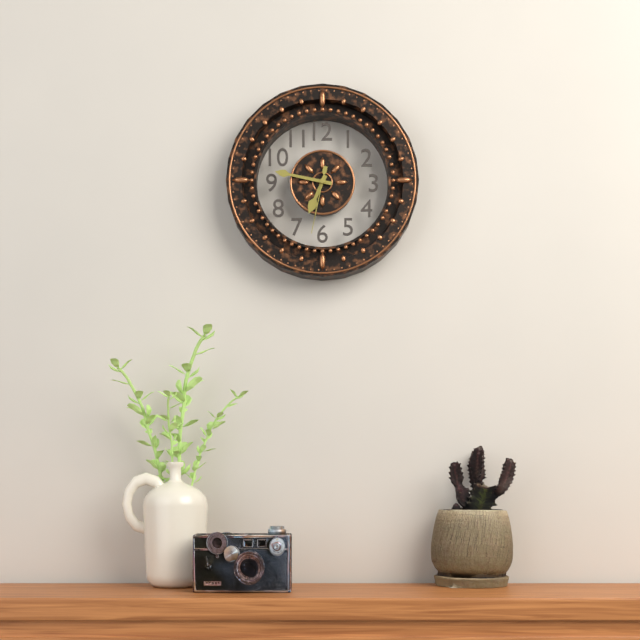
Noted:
6,47,32
